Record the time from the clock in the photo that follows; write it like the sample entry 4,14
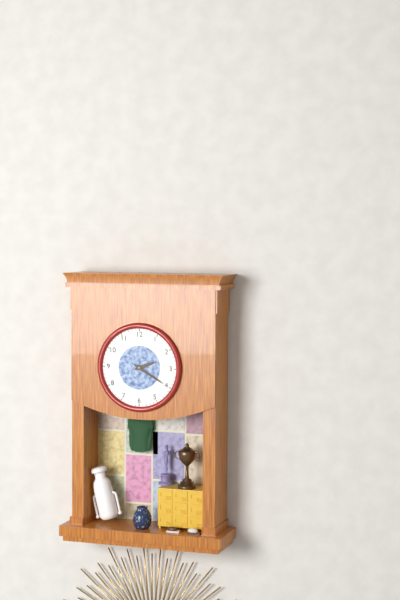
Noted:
2,20
